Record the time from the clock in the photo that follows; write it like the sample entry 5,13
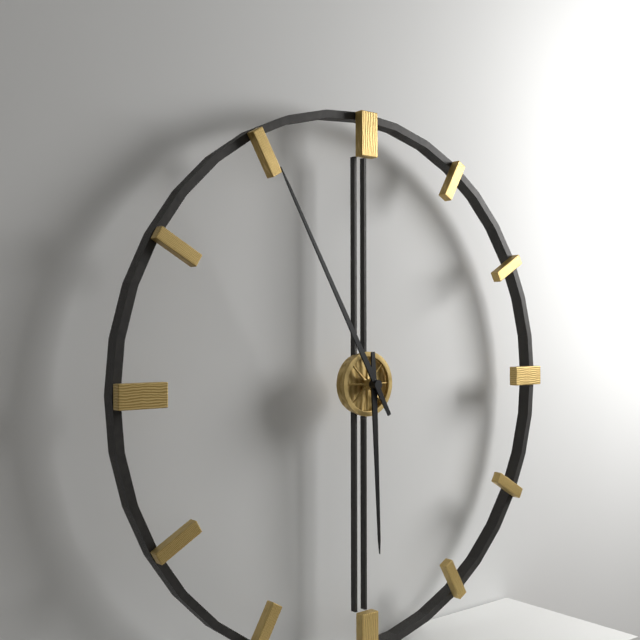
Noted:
5,55
